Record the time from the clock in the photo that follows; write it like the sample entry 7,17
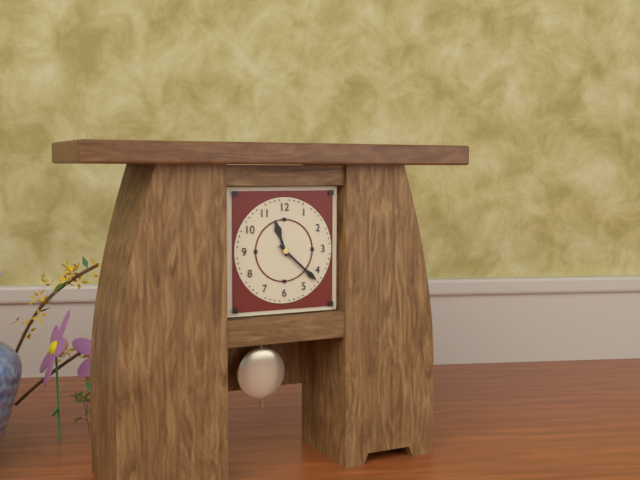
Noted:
11,22
